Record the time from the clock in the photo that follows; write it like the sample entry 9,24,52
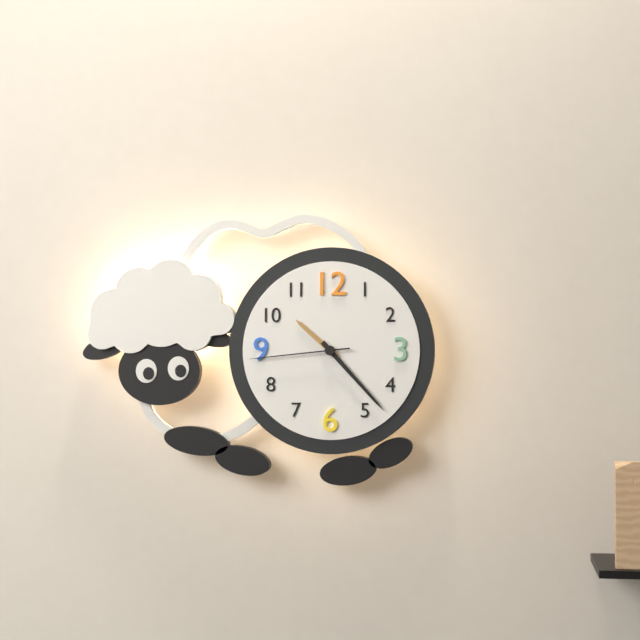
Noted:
10,23,44
